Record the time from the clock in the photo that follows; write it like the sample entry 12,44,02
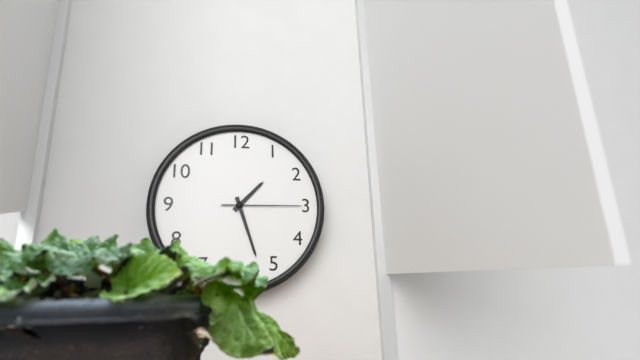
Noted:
1,27,15
